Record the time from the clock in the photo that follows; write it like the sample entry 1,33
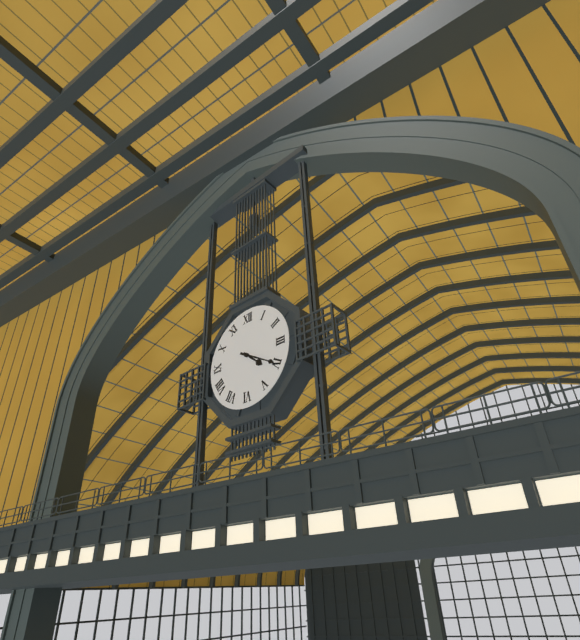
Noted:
4,20
